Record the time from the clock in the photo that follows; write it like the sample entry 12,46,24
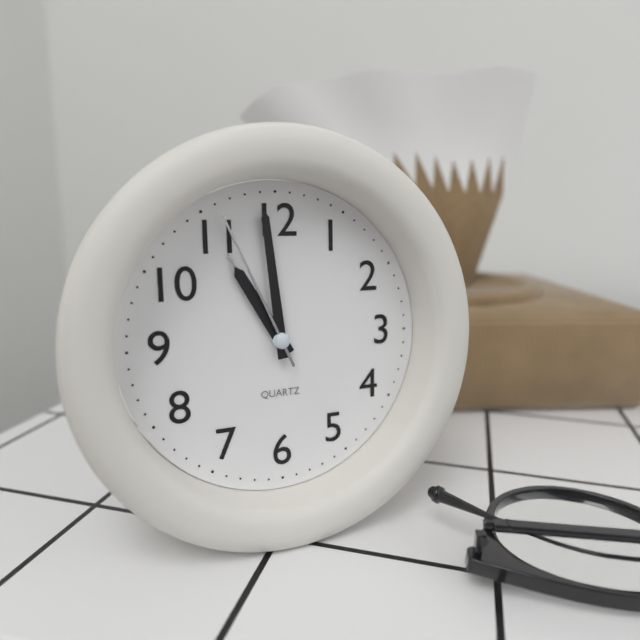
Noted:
10,59,56
